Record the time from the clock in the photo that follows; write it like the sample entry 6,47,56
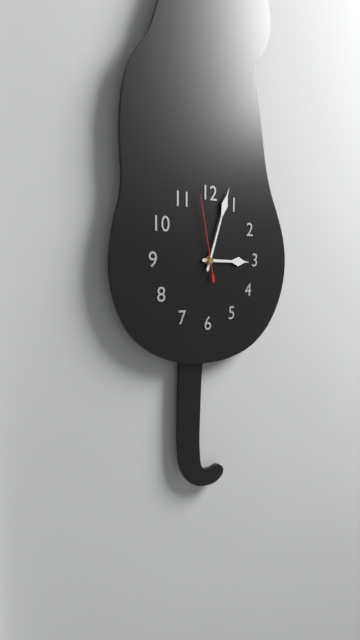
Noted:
3,03,58
